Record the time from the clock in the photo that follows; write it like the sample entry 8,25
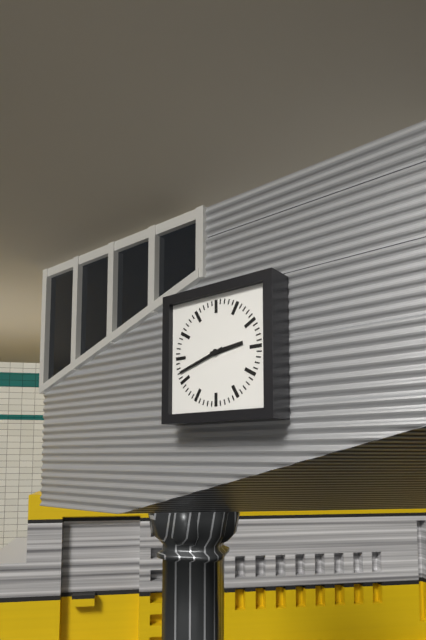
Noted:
2,42
